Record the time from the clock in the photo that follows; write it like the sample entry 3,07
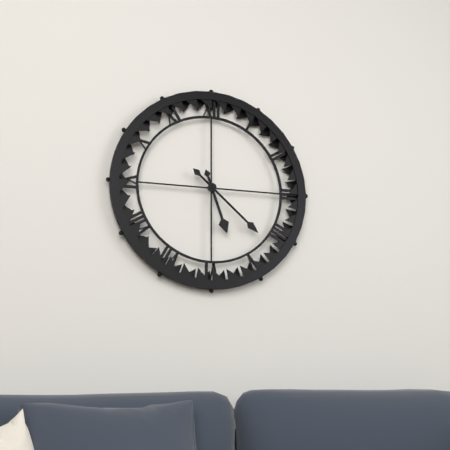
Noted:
5,22
